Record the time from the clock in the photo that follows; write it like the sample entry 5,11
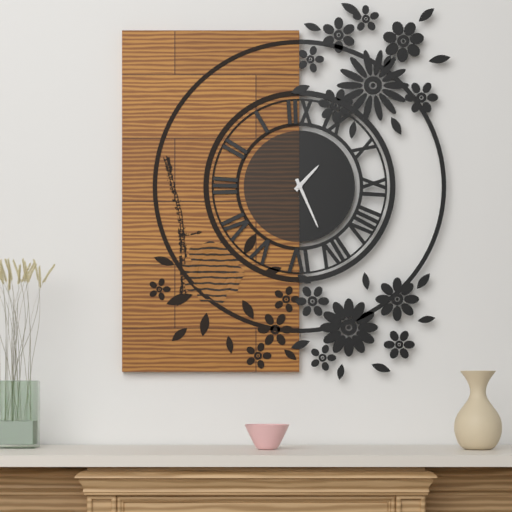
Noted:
1,26
